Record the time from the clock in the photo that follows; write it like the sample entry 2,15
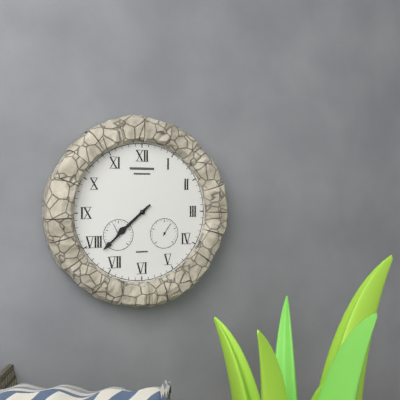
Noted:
7,38
